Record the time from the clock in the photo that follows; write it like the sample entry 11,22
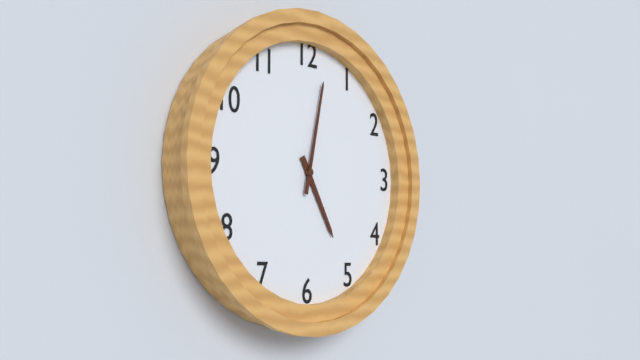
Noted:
5,02
